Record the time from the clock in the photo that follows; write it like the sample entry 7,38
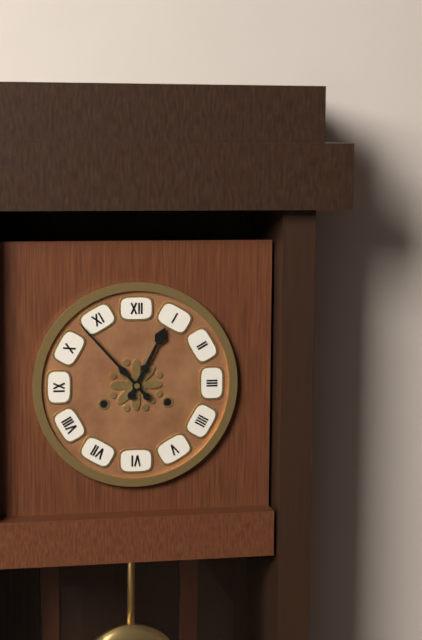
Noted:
12,53
